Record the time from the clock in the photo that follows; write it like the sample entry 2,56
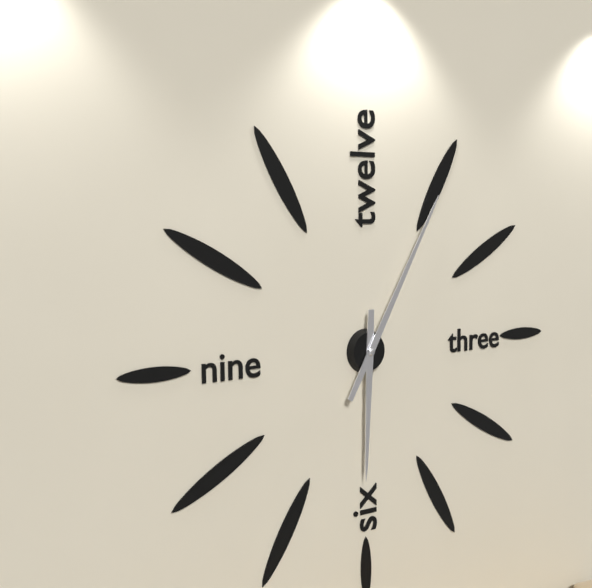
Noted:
6,05
